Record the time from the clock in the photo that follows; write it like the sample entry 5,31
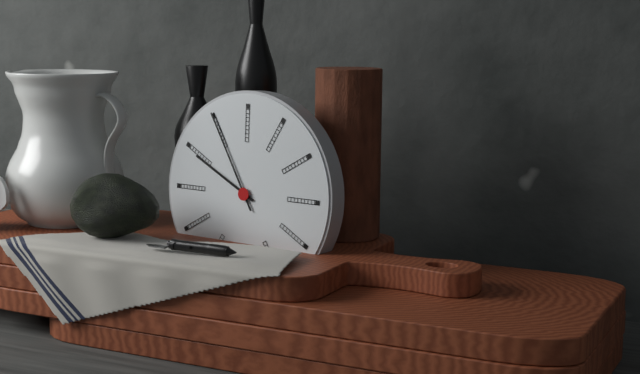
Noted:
9,55
